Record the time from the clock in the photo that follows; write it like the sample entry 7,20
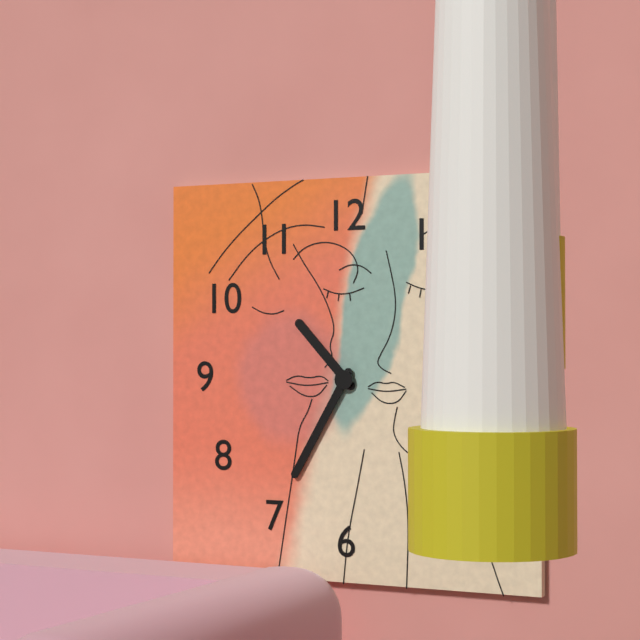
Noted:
10,35
